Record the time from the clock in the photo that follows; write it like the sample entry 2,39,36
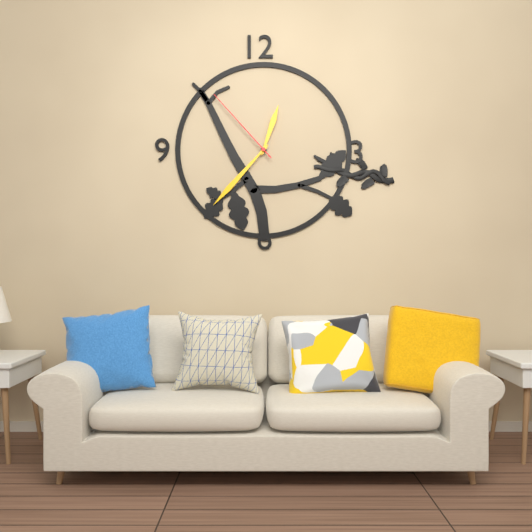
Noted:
12,37,53
